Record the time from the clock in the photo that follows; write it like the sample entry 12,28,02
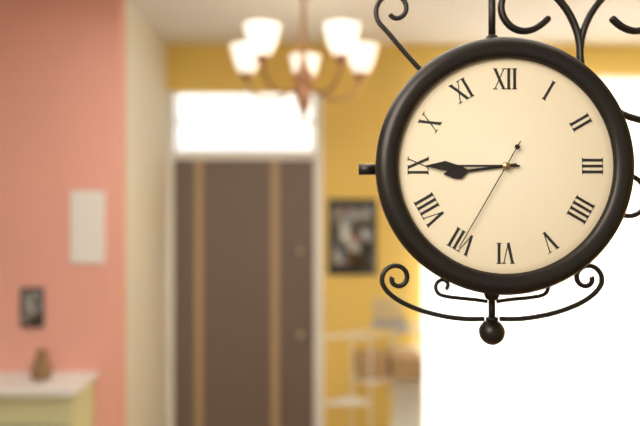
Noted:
8,45,35
